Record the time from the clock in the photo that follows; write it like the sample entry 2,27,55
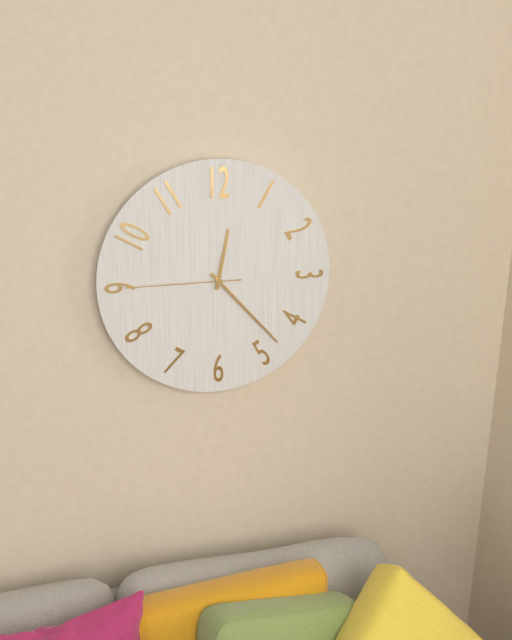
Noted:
12,23,45
